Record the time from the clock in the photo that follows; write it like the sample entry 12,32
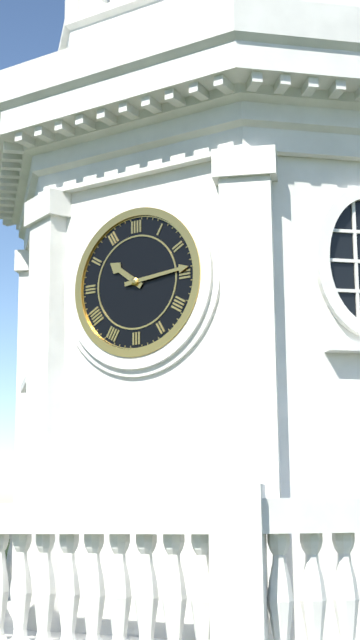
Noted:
10,14
